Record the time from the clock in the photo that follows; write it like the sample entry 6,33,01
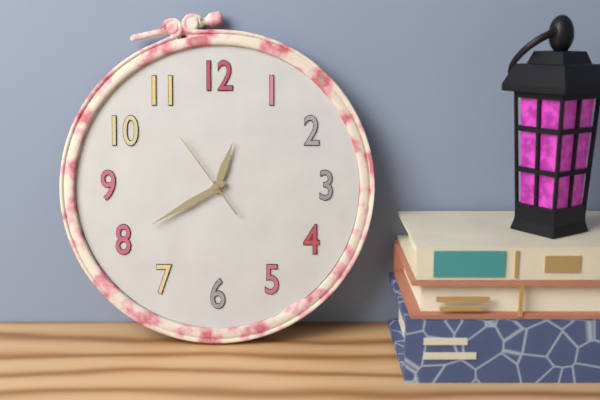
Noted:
12,40,54
